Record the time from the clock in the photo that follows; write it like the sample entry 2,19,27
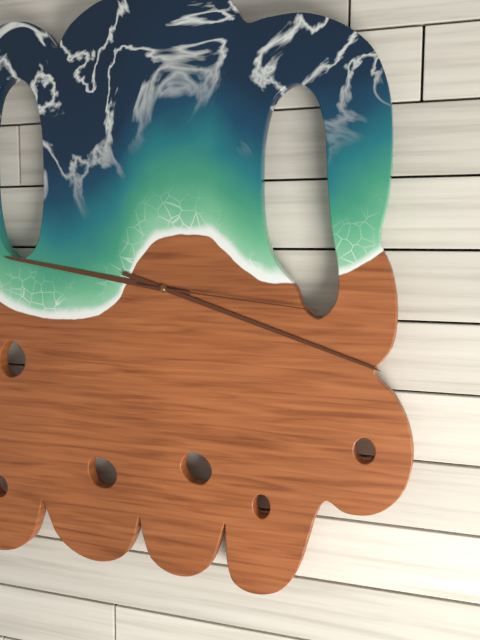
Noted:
9,18,16
